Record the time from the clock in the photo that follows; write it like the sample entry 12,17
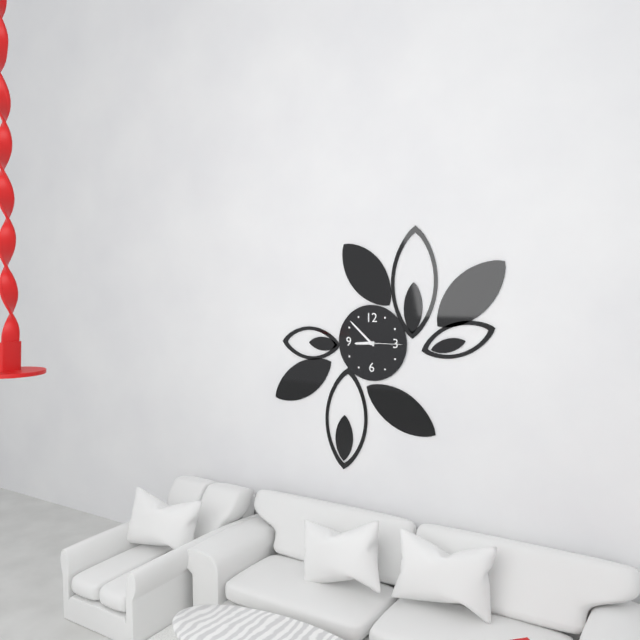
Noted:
8,52
